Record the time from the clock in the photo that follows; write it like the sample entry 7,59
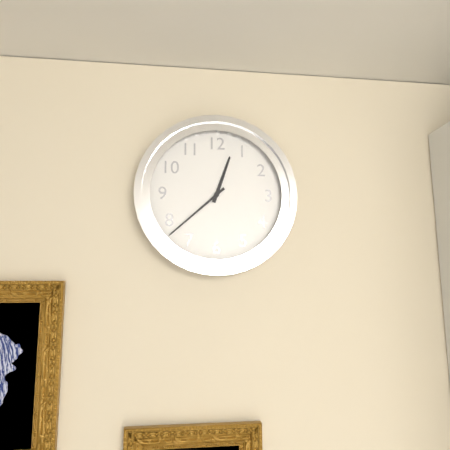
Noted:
12,38
